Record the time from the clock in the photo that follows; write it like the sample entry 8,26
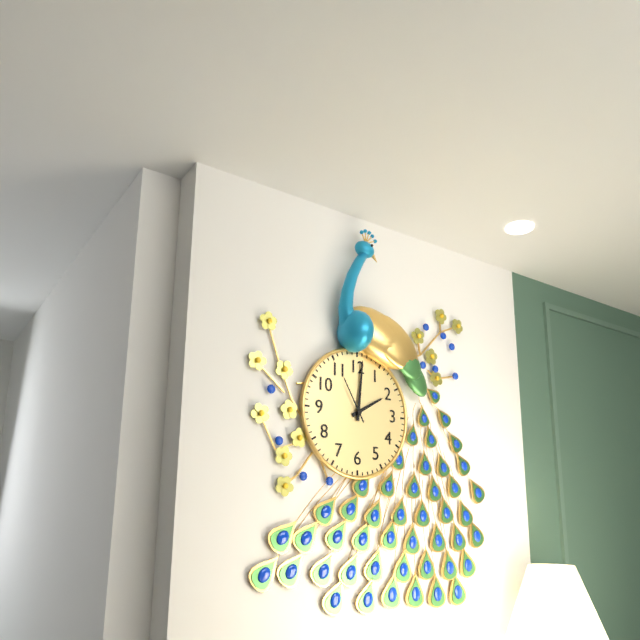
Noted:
2,01
